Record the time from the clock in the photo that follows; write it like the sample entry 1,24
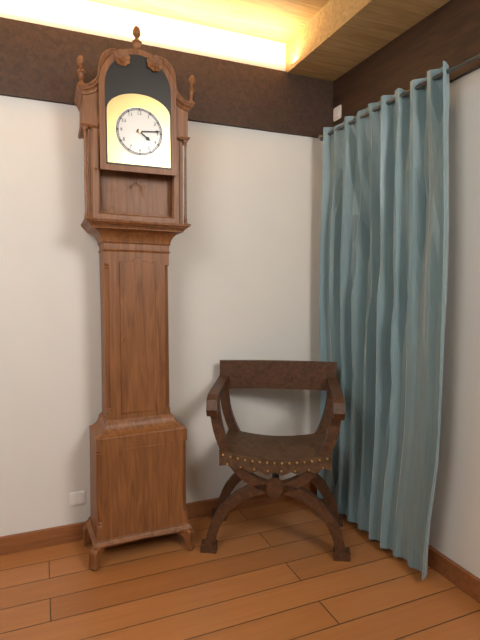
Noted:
4,14
